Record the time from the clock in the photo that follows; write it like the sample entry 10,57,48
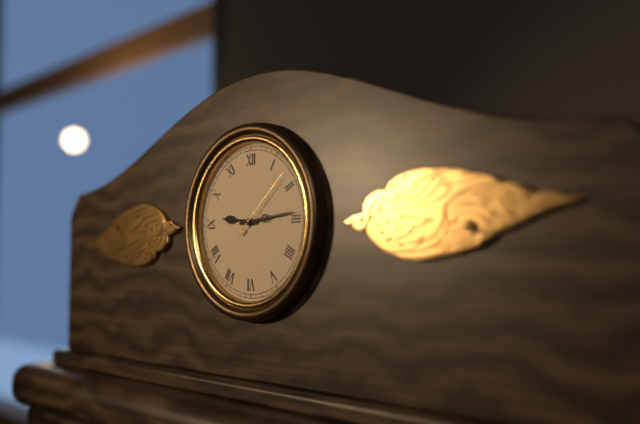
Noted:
9,14,08
